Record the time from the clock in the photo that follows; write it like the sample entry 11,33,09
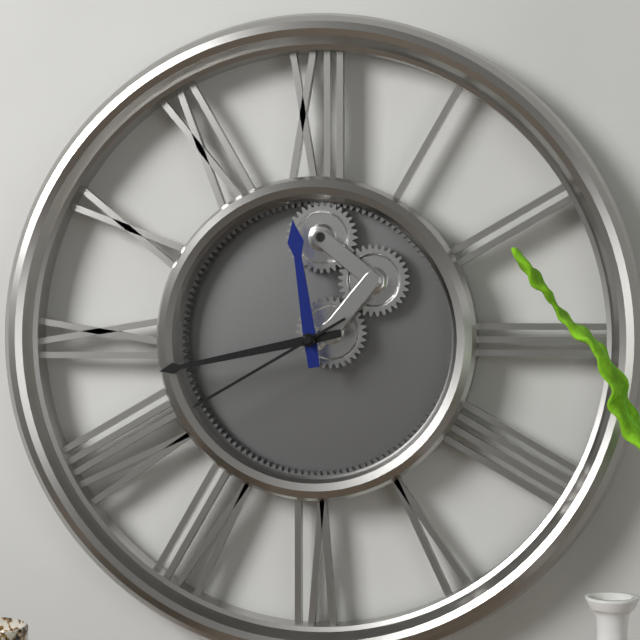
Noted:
11,43,40
